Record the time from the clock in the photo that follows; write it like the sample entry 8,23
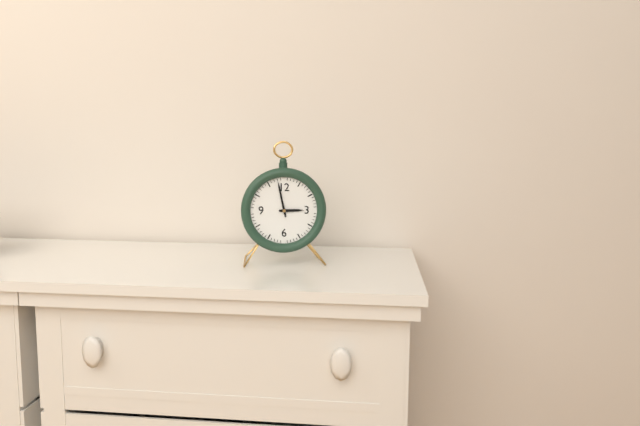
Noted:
2,58
